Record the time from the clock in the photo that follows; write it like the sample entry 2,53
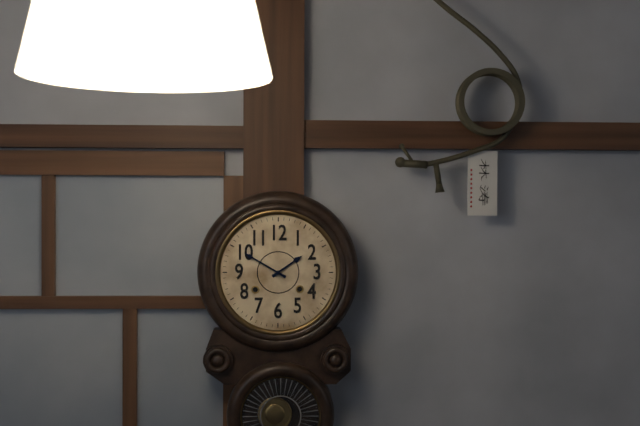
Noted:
1,50
